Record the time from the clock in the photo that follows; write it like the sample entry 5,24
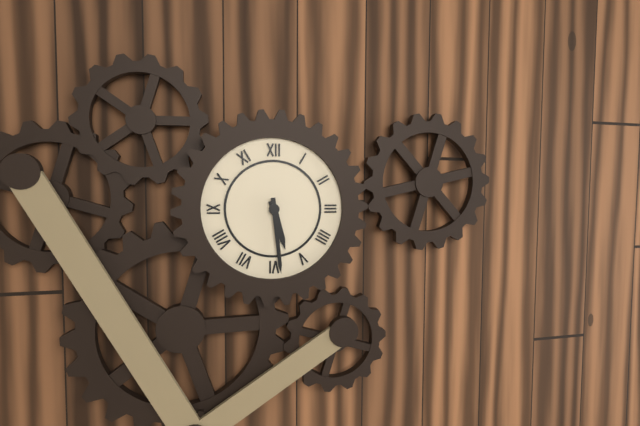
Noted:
5,29
